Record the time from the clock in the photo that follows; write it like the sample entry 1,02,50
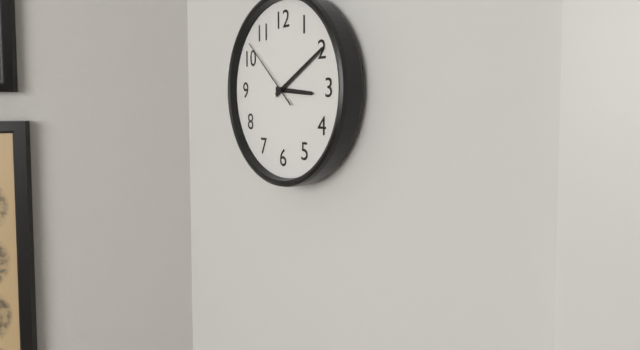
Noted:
3,10,52
